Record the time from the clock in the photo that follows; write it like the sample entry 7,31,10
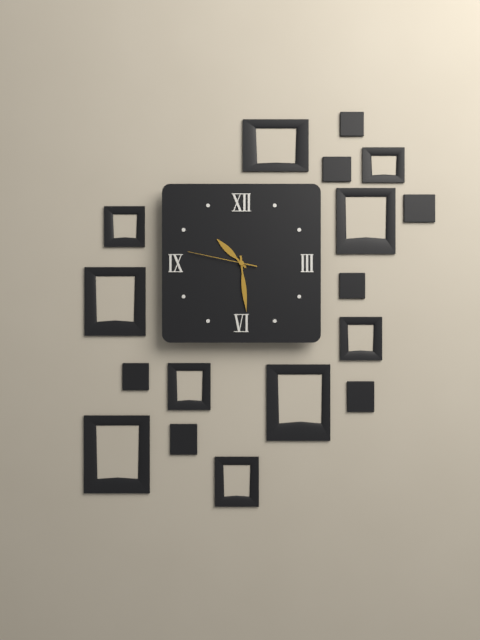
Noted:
10,29,47
